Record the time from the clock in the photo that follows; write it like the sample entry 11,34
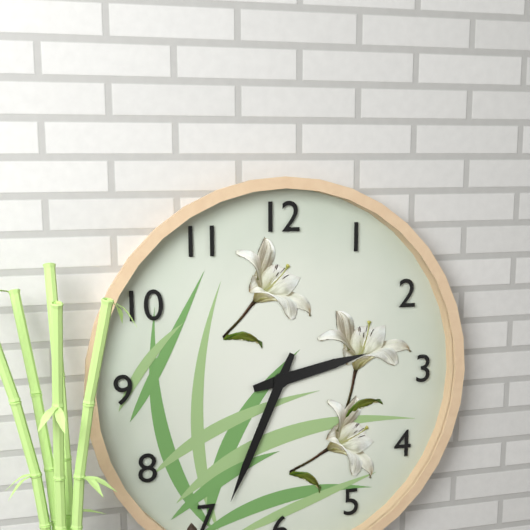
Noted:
2,34
